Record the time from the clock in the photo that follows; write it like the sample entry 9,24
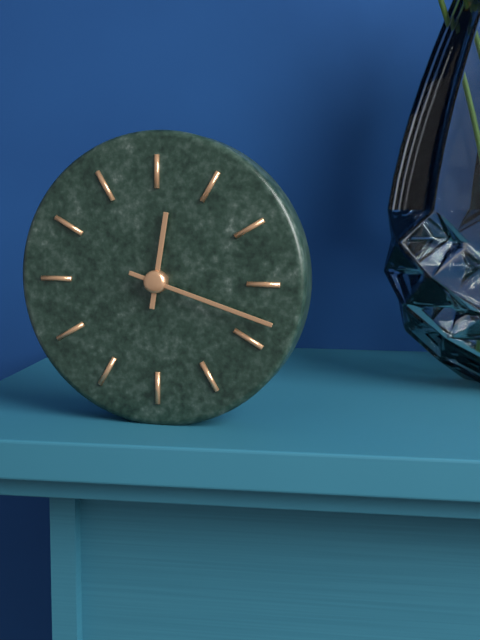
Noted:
12,18
